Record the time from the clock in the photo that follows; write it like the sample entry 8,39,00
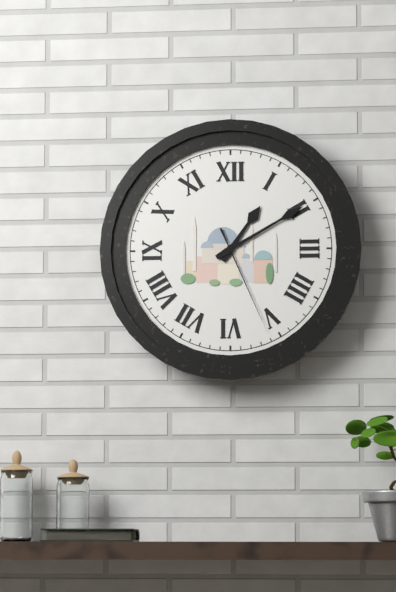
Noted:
1,10,26
